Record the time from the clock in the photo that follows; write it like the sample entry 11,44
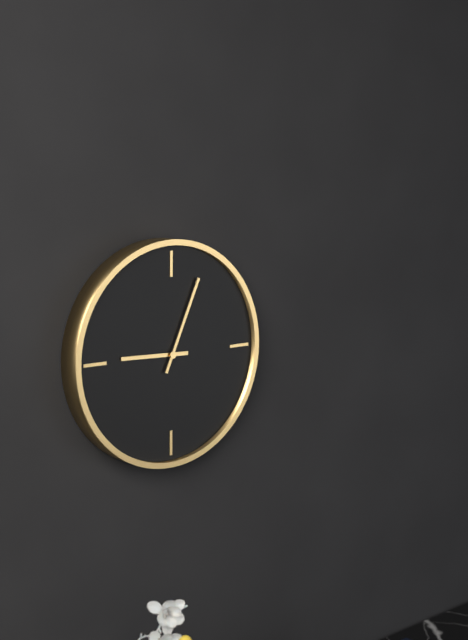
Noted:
9,04
